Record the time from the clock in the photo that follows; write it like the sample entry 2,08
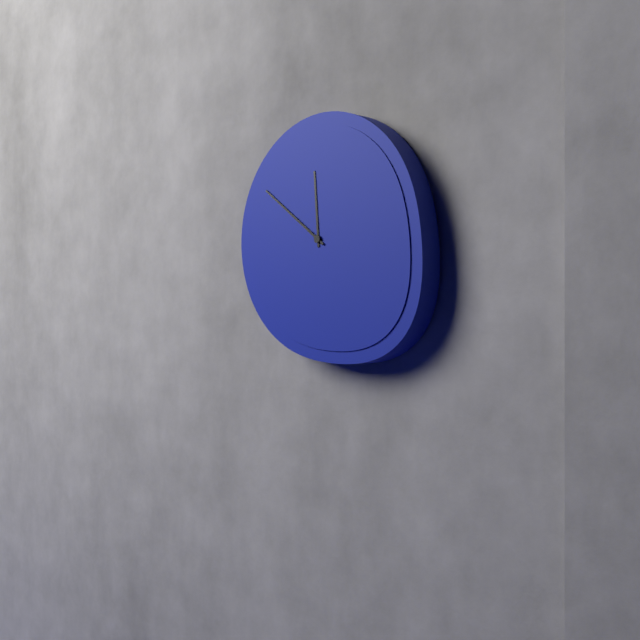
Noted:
11,51
